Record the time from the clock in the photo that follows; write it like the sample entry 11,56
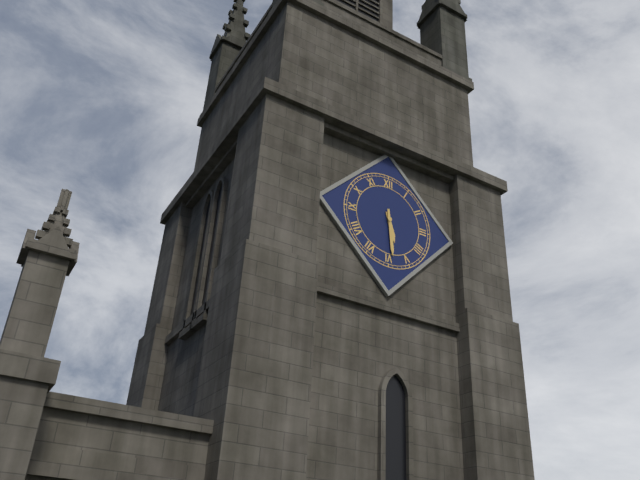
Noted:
5,29
